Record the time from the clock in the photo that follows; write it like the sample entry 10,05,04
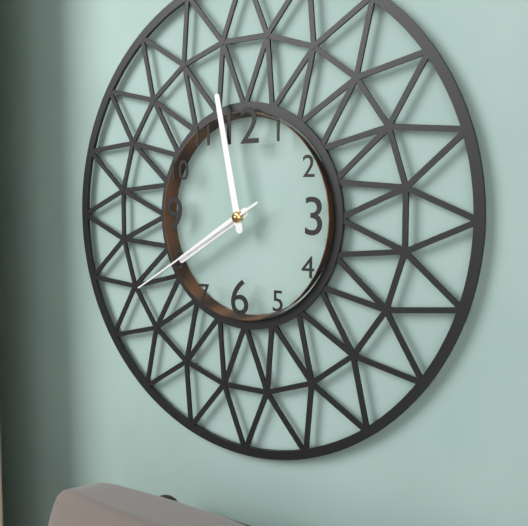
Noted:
7,58,40
